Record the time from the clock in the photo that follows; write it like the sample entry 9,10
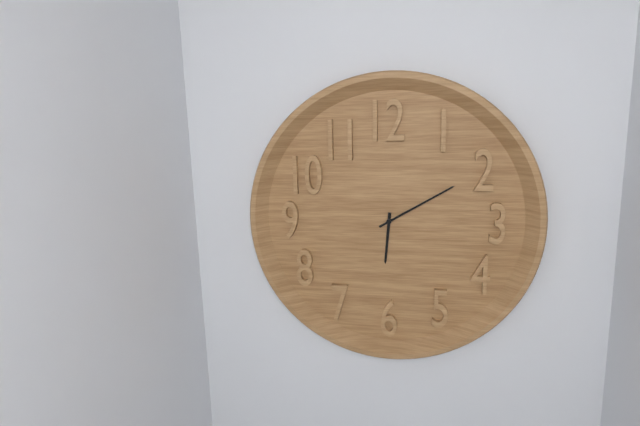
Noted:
6,10
